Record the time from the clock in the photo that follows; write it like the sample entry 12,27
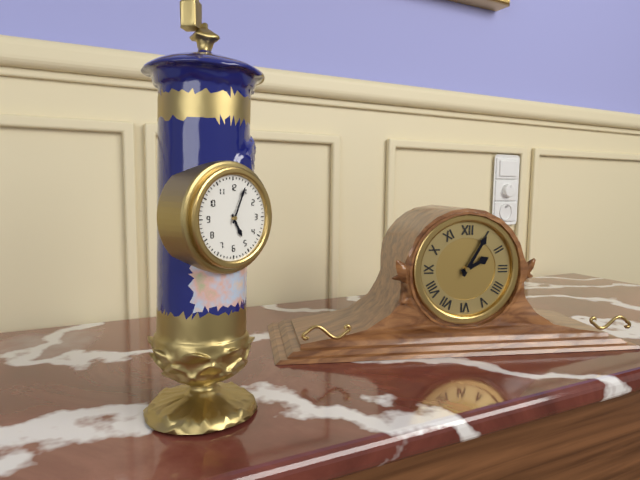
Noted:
5,04
